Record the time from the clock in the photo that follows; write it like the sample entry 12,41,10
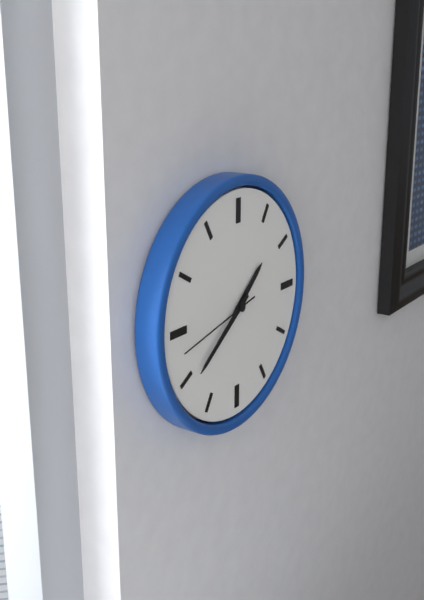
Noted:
1,39,43
